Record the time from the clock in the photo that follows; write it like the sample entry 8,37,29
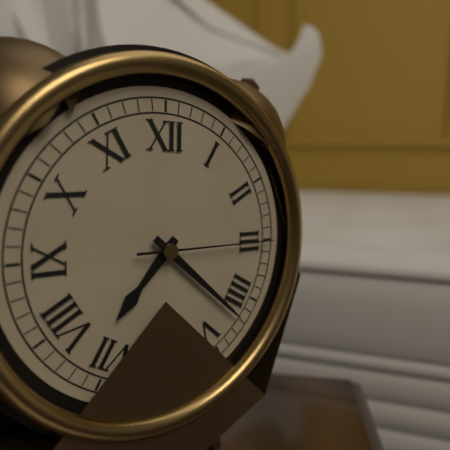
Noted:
7,22,15
